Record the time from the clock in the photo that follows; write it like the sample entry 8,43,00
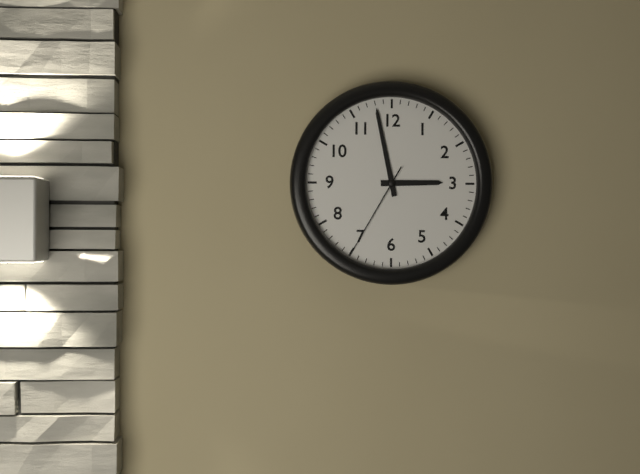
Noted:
2,58,35
